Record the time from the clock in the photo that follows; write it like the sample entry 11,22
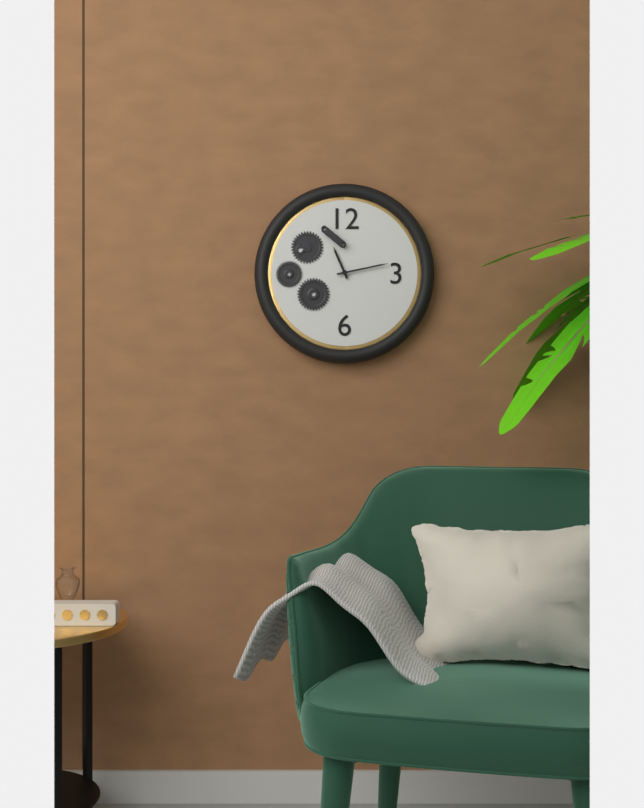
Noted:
11,13
